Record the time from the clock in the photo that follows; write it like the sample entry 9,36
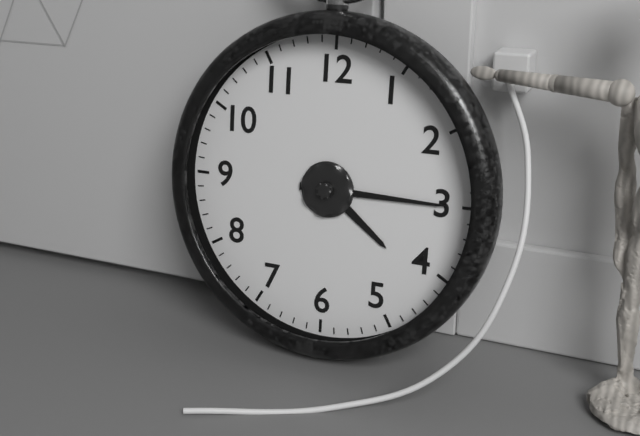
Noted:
4,15
